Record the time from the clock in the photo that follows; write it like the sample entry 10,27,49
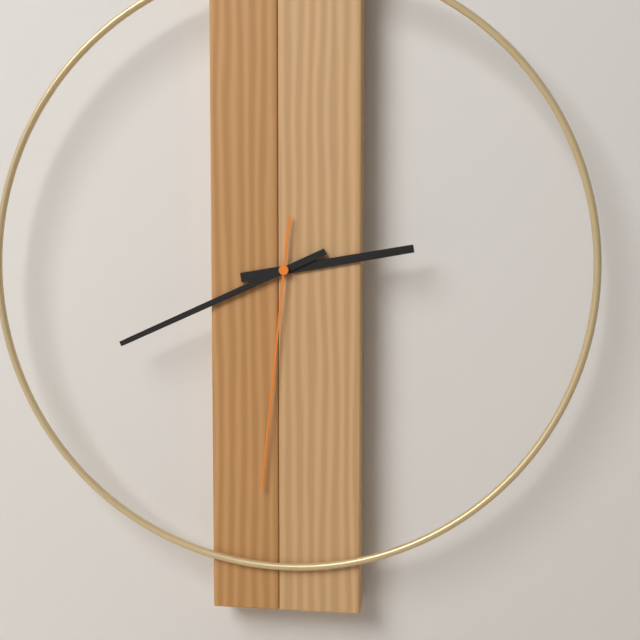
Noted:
2,41,31
